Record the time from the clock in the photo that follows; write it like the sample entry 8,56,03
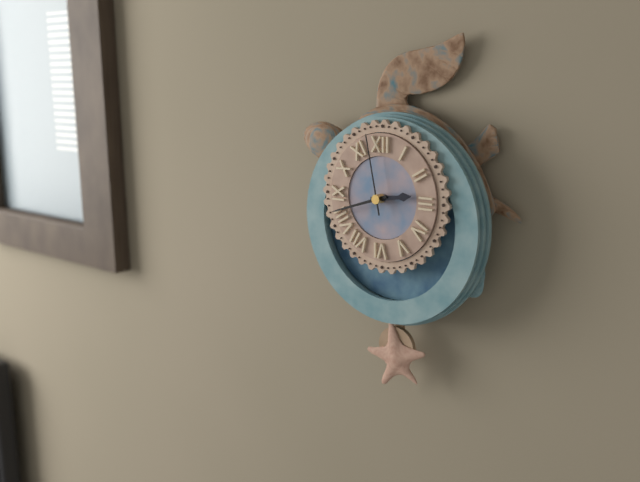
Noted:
2,42,58
